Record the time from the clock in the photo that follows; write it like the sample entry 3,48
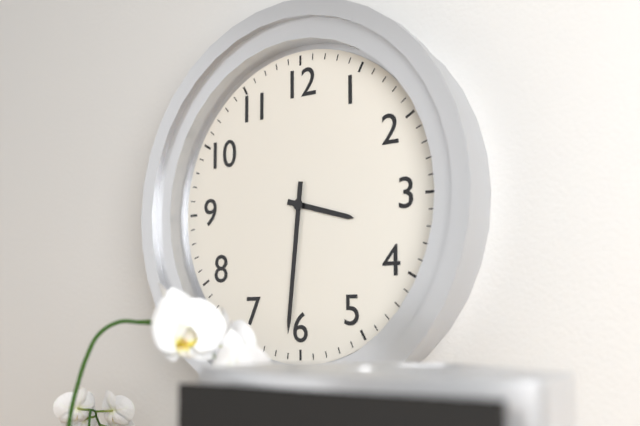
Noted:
3,31
